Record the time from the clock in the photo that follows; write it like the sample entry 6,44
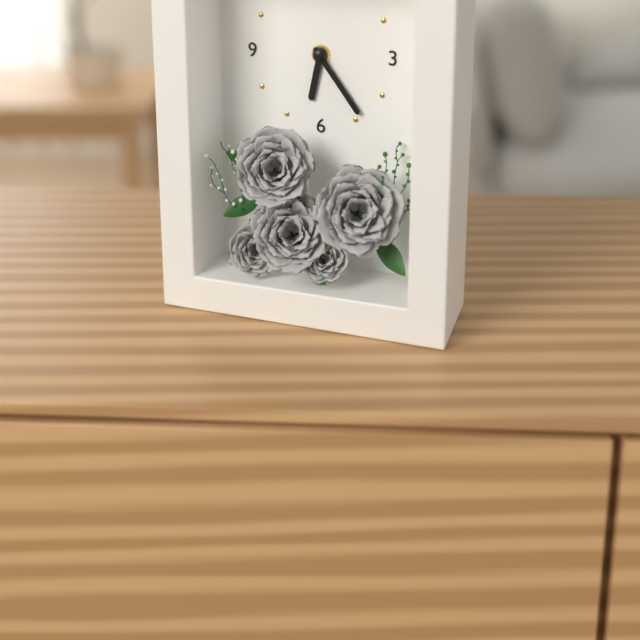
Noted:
6,24
